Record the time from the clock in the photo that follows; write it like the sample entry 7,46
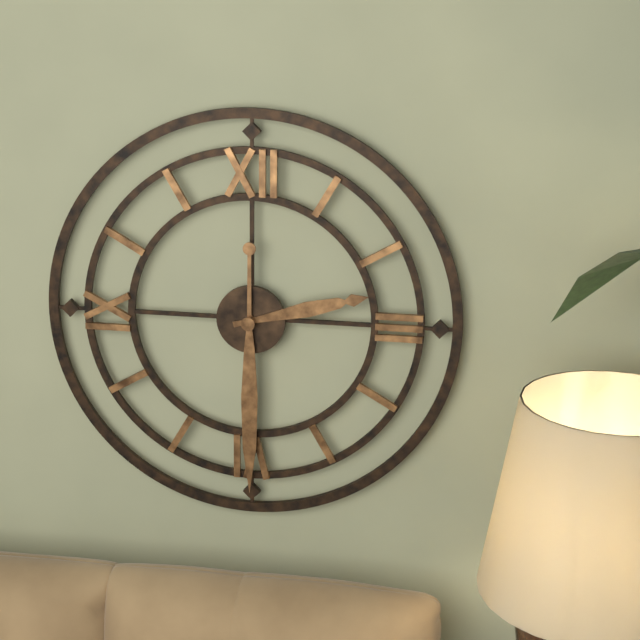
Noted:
2,30
